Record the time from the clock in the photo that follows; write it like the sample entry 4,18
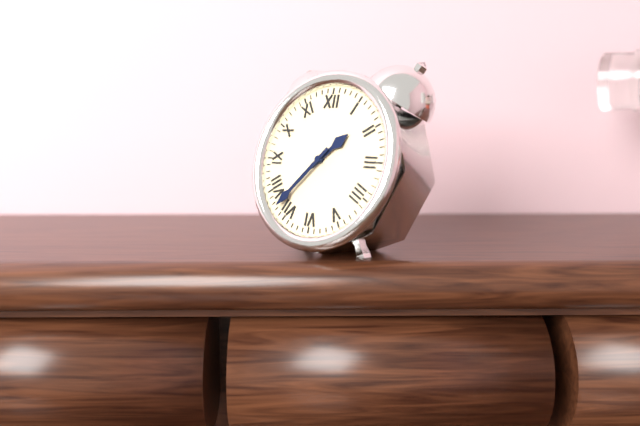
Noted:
1,37
